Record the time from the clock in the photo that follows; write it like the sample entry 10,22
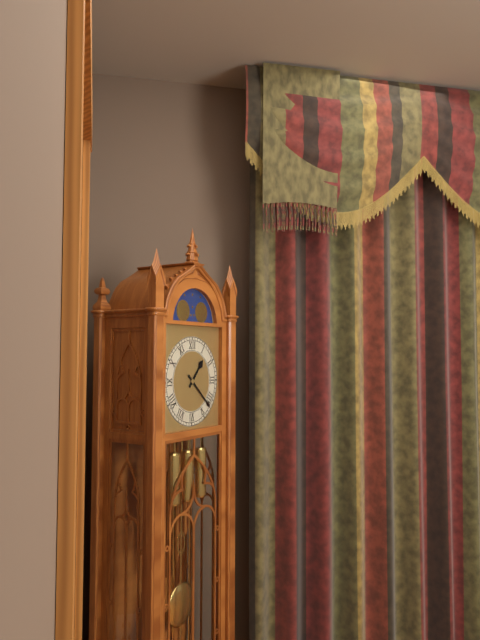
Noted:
1,22
